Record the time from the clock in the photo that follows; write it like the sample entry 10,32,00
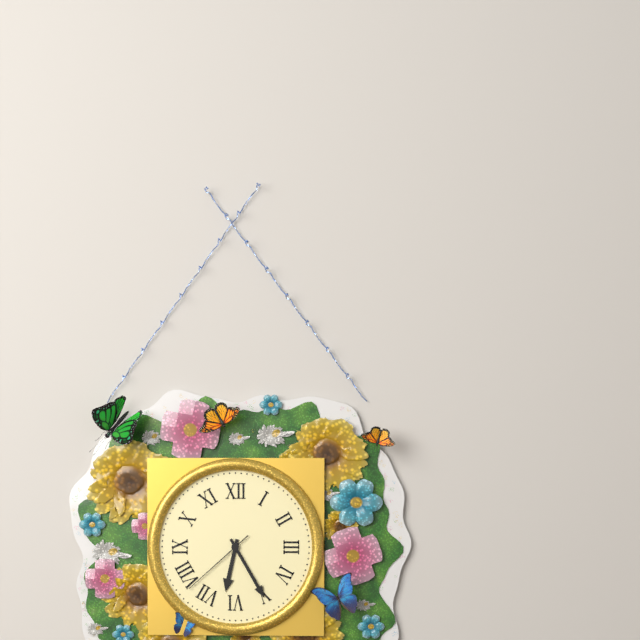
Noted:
6,25,38
